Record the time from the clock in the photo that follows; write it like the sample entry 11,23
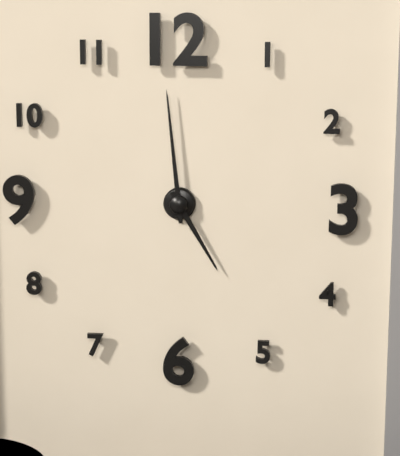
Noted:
4,59
